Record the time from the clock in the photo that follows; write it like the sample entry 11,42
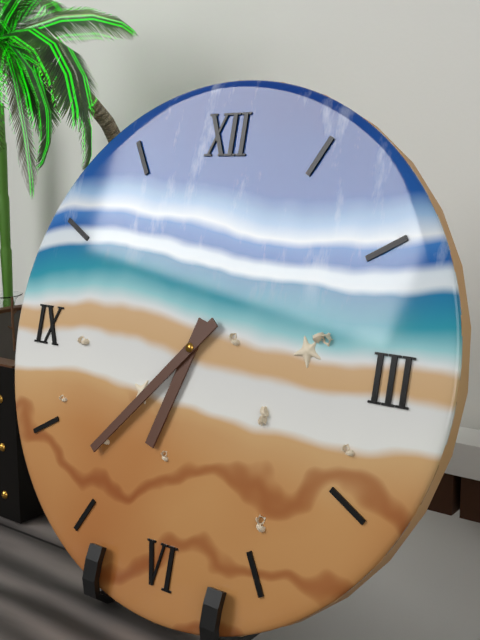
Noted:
6,37
